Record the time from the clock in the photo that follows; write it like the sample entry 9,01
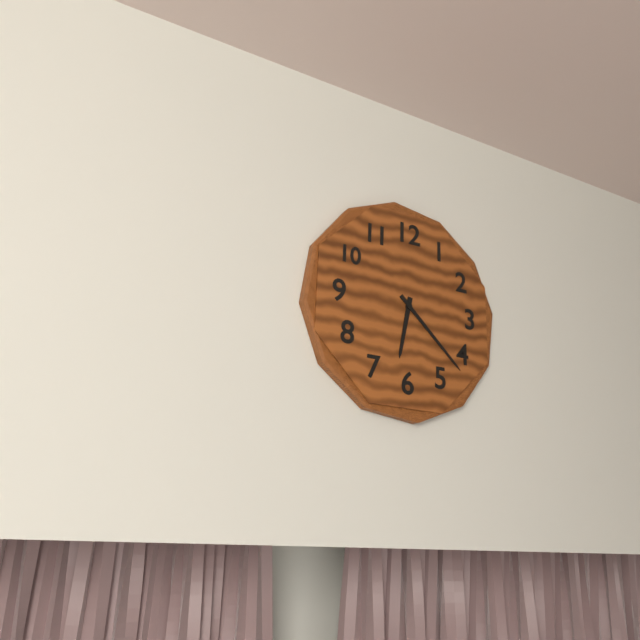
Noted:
6,22
